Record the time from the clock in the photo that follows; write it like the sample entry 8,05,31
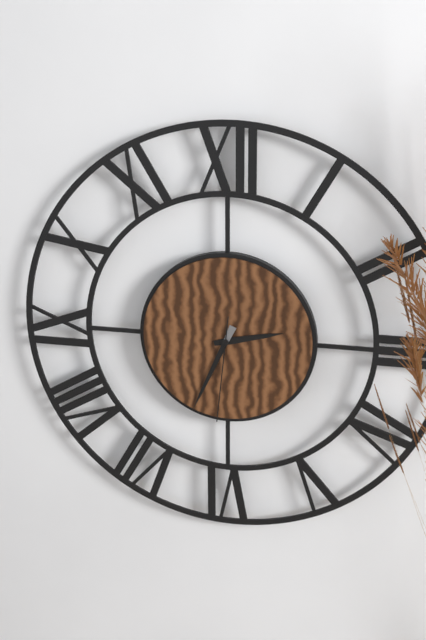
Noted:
2,34,31
